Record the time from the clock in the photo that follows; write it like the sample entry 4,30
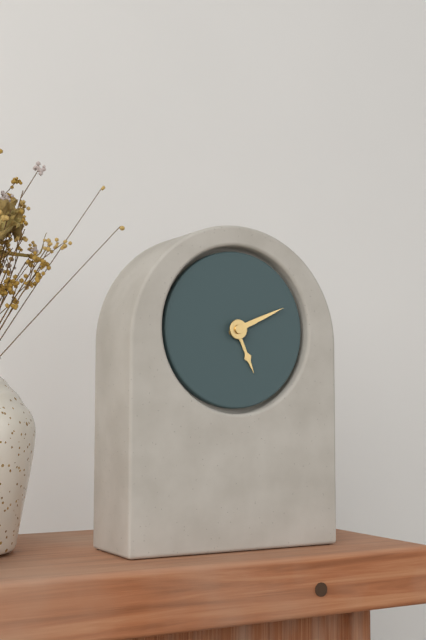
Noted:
5,11
